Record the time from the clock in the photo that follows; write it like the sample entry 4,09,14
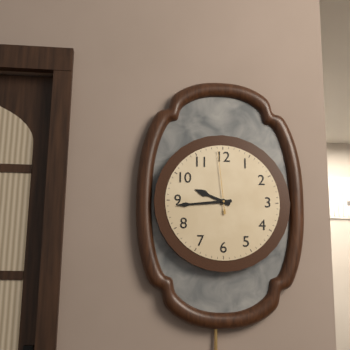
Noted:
9,44,59
